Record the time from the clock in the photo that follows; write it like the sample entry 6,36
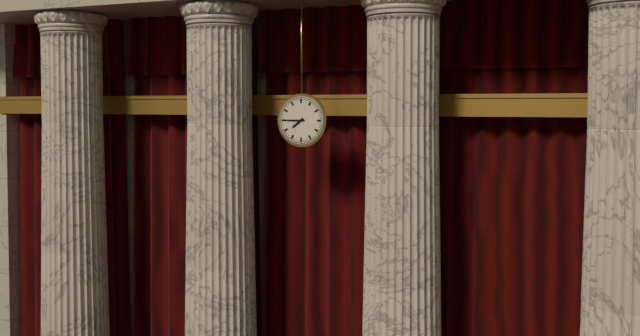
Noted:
7,45
